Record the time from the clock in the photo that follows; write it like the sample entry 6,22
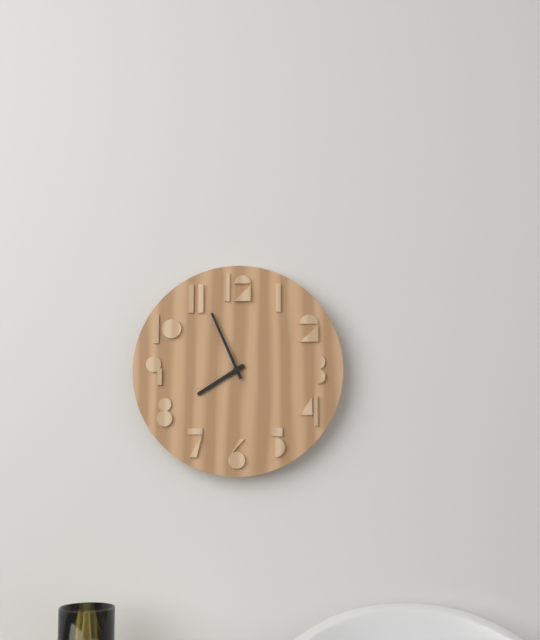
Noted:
7,56
